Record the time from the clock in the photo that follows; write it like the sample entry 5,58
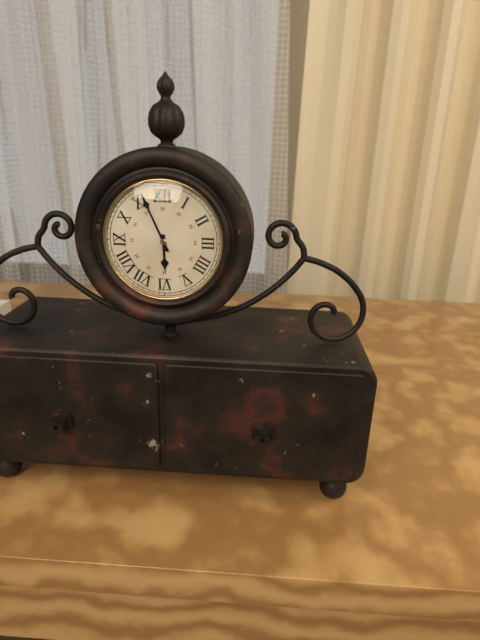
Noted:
5,56
